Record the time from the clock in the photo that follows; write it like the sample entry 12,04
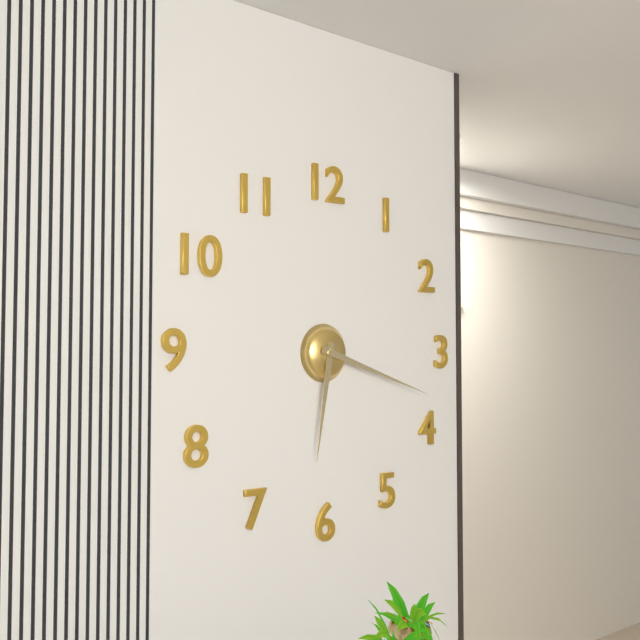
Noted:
6,18
